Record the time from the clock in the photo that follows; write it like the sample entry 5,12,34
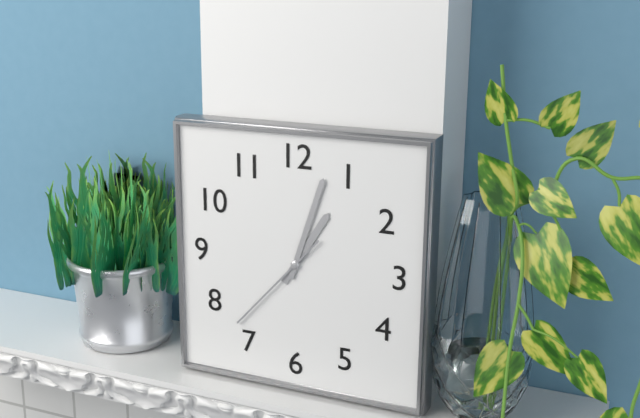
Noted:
1,03,37
